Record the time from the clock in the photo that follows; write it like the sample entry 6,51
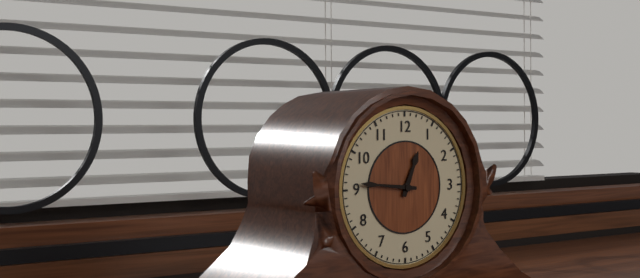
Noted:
12,46
